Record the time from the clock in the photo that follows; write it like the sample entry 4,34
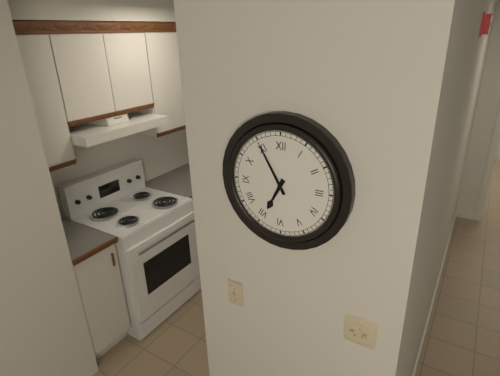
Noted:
6,55
